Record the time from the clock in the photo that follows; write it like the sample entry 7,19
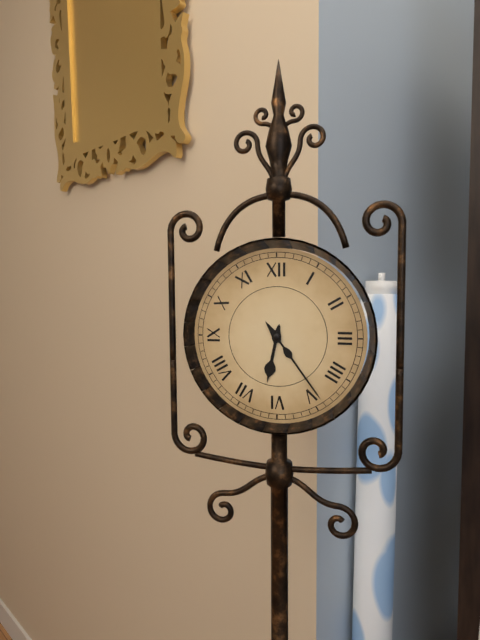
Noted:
6,24
